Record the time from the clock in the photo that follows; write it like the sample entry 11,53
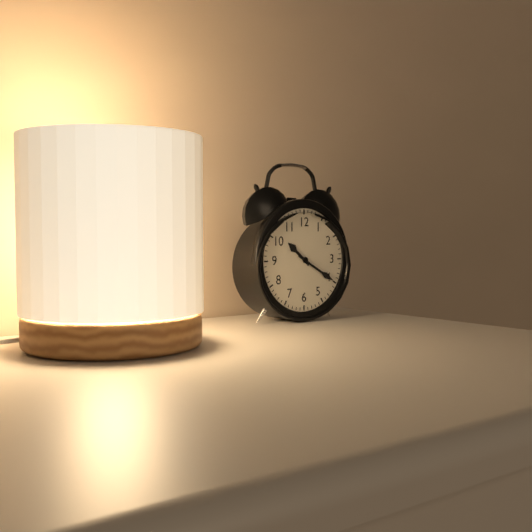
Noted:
10,20
